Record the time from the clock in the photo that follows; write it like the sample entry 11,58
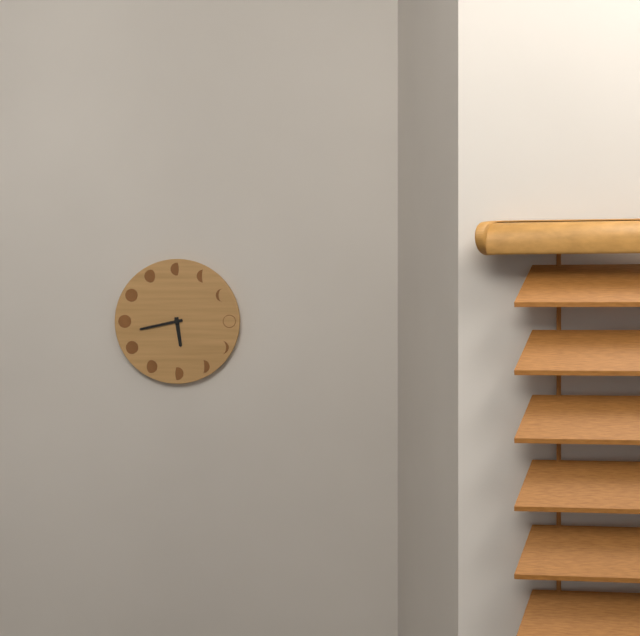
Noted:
5,43
